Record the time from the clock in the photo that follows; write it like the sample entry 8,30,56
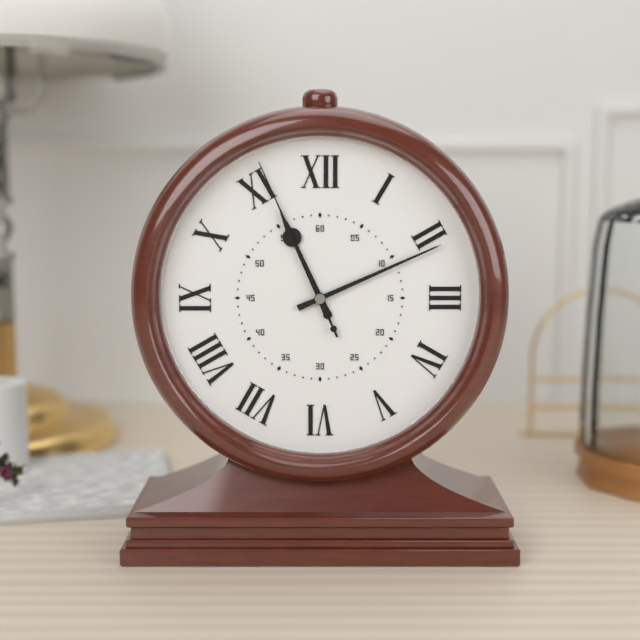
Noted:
11,11,56
